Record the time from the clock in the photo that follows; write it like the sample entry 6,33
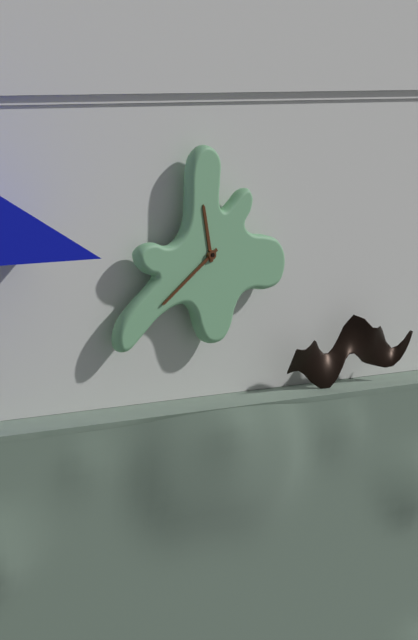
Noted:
11,39
